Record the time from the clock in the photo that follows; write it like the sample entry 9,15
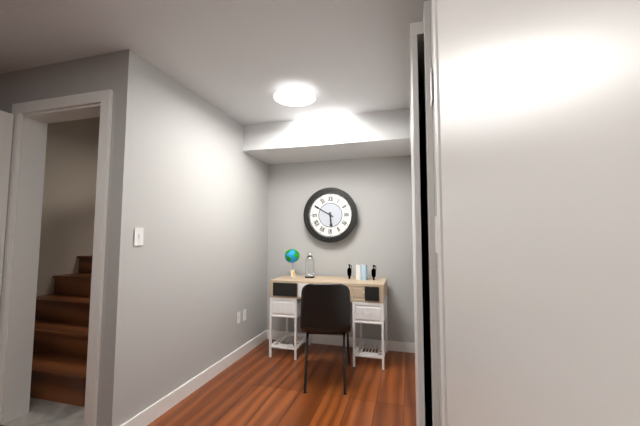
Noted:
5,50
